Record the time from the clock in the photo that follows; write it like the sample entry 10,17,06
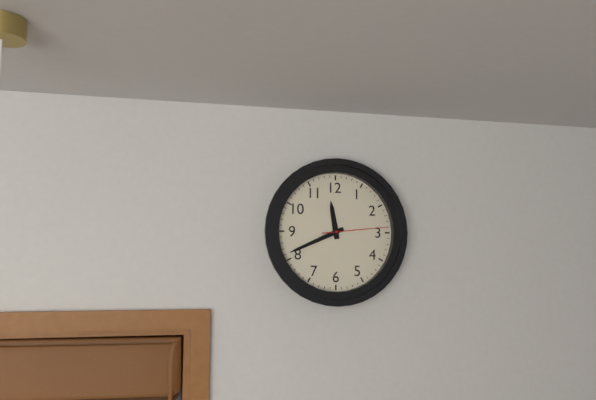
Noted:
11,41,14
